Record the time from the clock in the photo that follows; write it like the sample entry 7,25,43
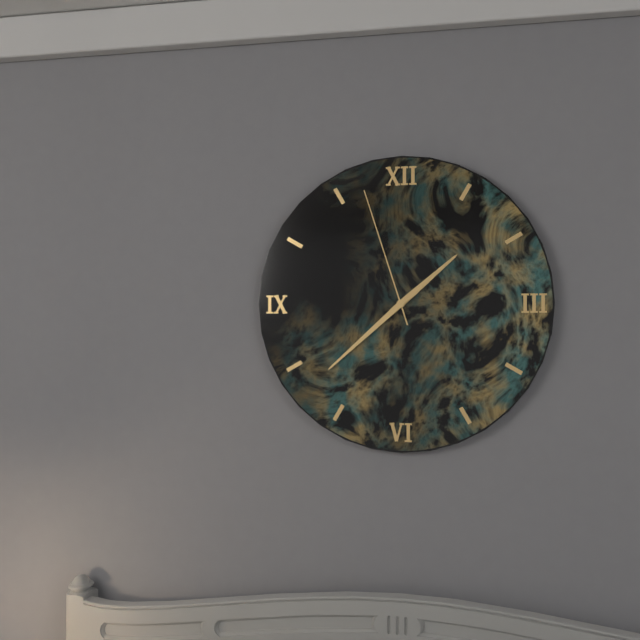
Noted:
1,38,57
